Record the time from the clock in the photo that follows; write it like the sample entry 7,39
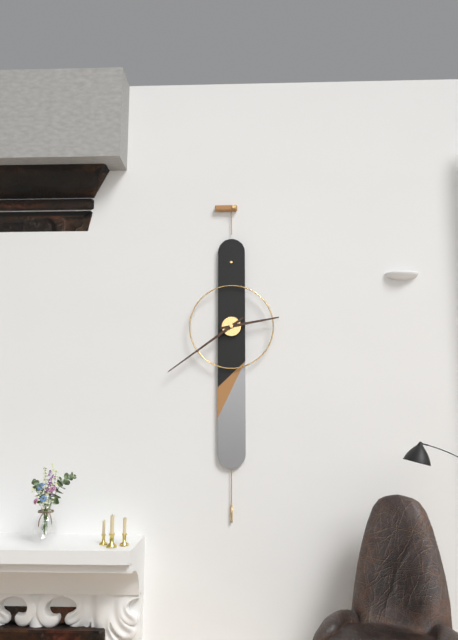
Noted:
2,39
